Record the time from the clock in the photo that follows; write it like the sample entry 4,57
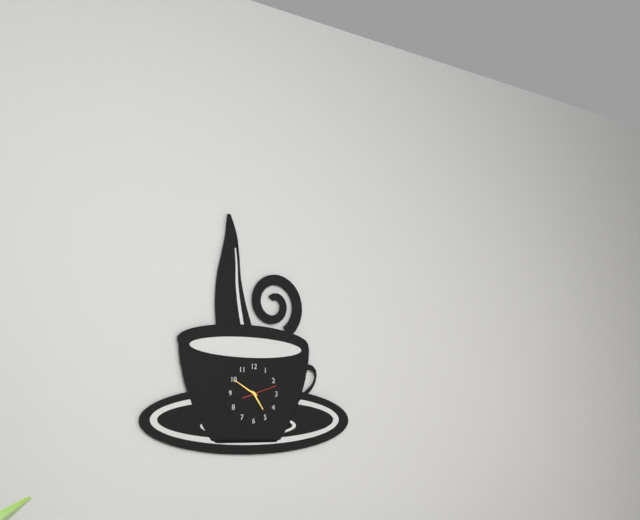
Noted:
4,50
